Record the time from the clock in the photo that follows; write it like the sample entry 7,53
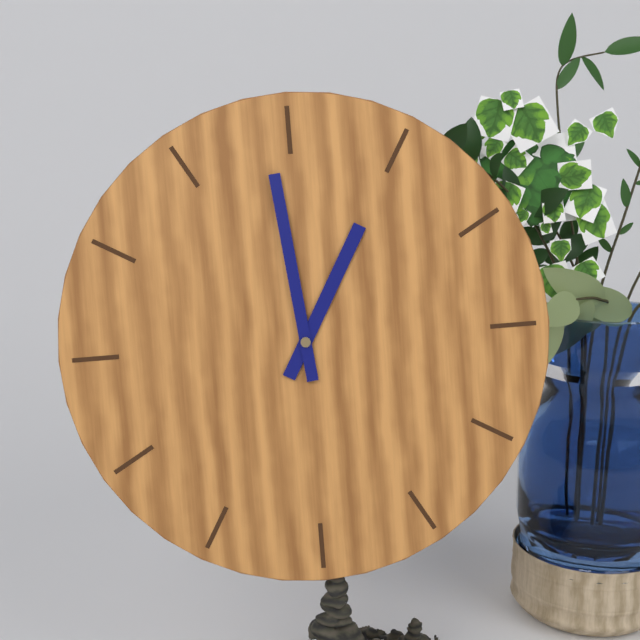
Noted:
12,59
